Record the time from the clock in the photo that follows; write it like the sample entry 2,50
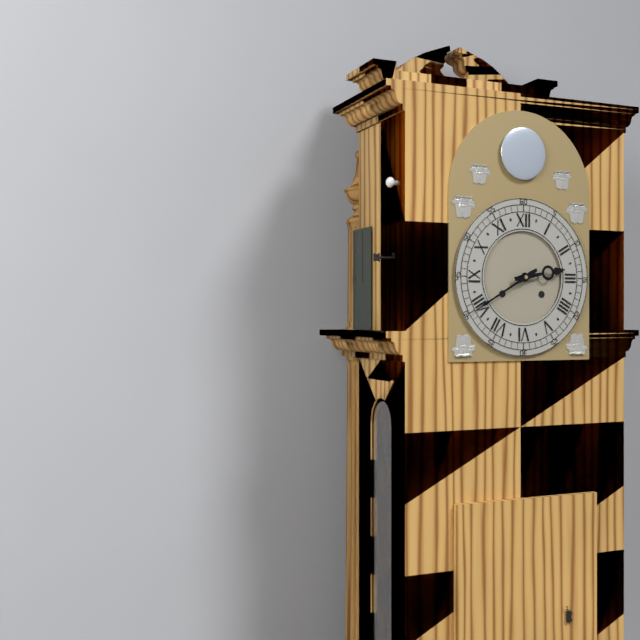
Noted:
2,40
